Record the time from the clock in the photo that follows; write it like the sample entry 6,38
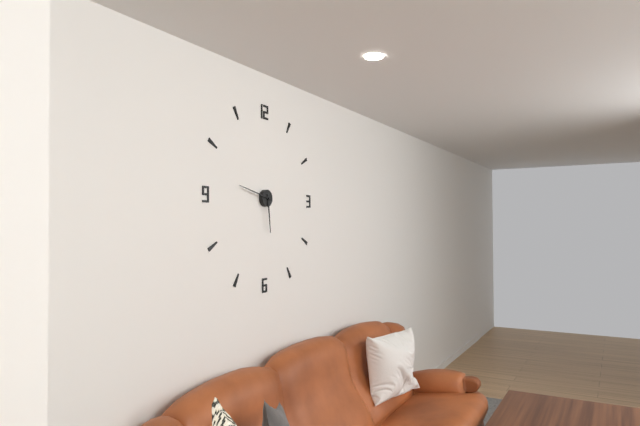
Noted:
5,47
